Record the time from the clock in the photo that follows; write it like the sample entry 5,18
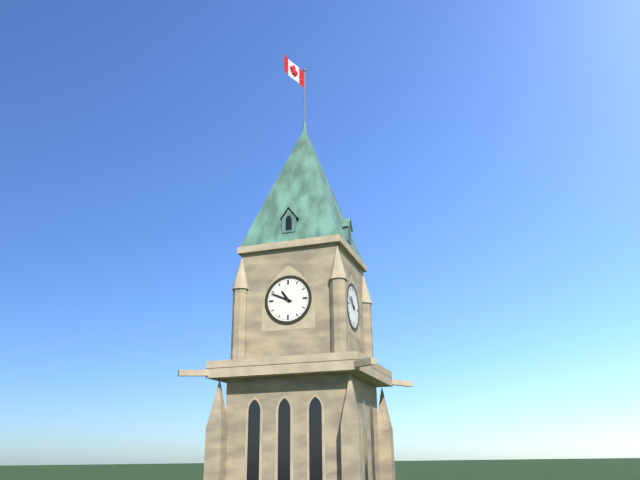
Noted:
10,49
